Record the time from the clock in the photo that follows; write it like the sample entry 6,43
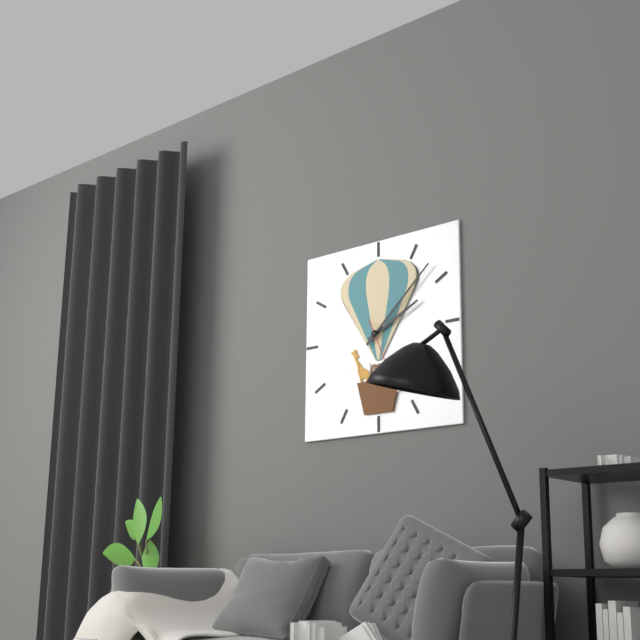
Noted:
2,08
